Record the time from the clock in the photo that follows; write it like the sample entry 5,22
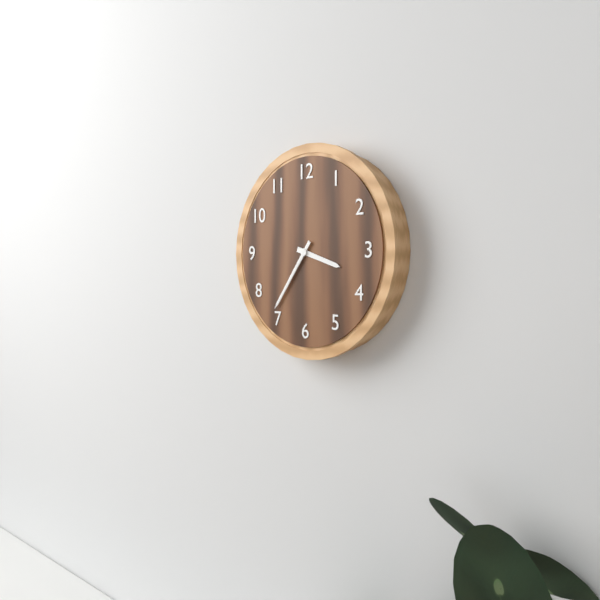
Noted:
3,36
